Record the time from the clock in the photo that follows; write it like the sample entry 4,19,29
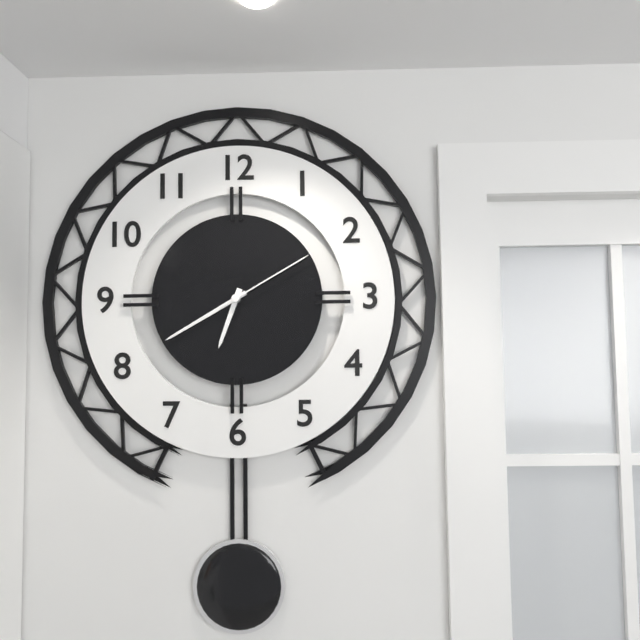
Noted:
6,40,10
